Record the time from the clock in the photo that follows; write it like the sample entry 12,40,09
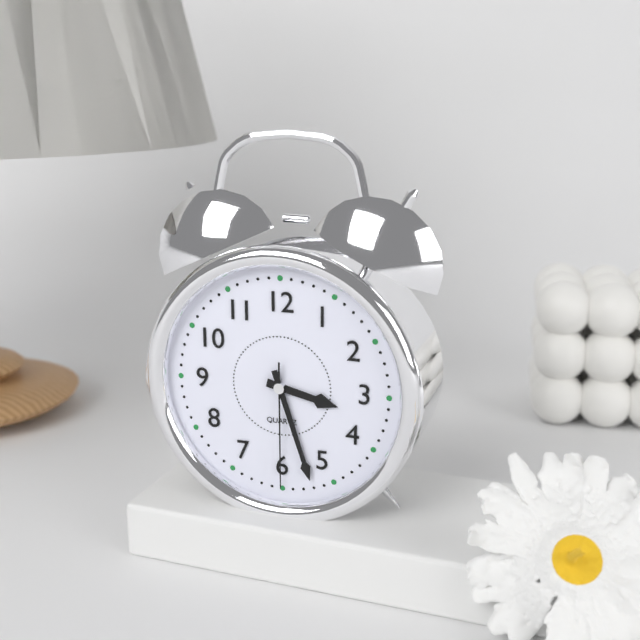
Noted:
3,27,30
